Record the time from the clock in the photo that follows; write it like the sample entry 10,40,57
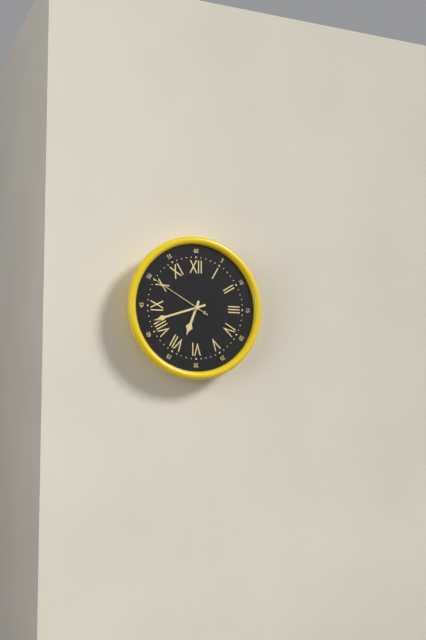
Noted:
6,42,50
